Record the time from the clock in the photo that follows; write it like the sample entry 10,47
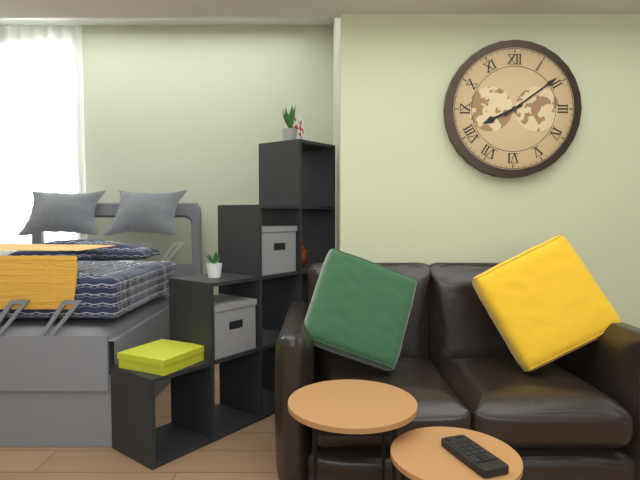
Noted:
8,09
